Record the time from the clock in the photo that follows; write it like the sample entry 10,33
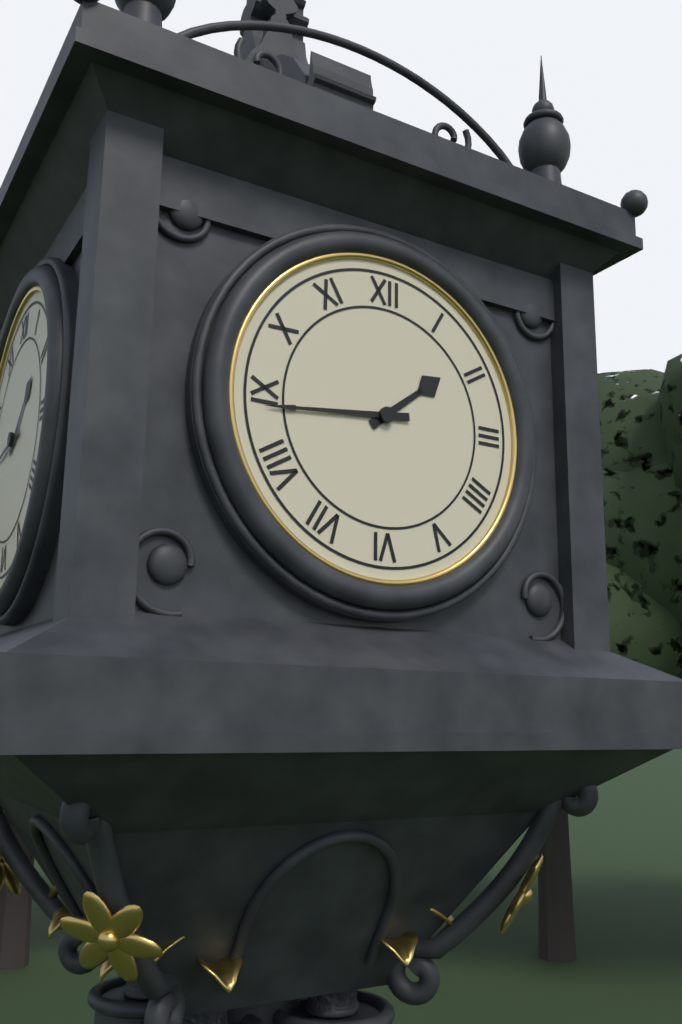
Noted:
1,44
